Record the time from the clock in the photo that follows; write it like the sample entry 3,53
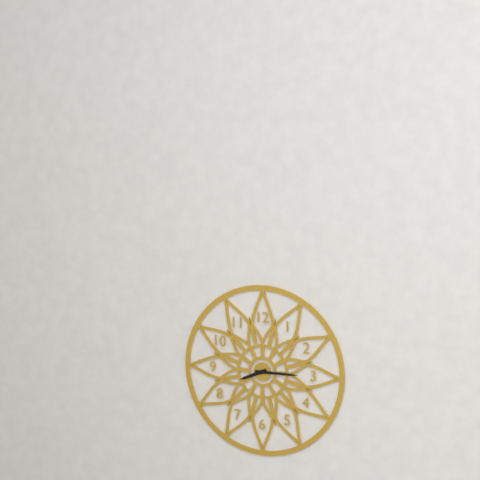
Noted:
8,15
